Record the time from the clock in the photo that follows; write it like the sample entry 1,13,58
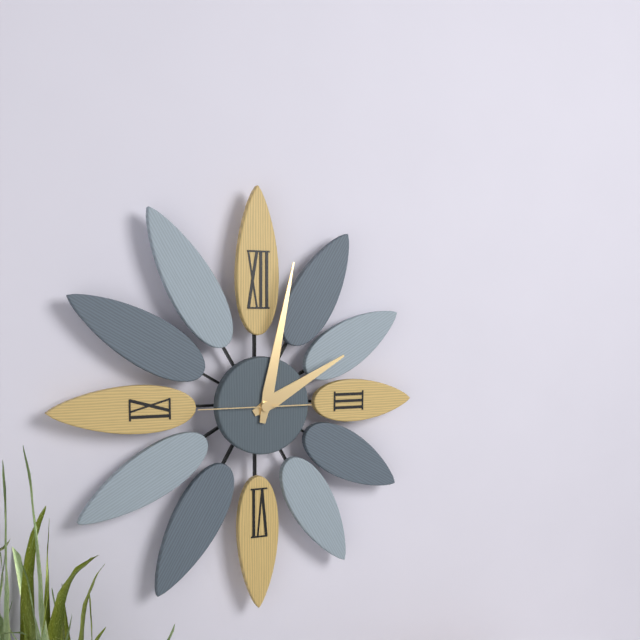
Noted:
2,02,45
